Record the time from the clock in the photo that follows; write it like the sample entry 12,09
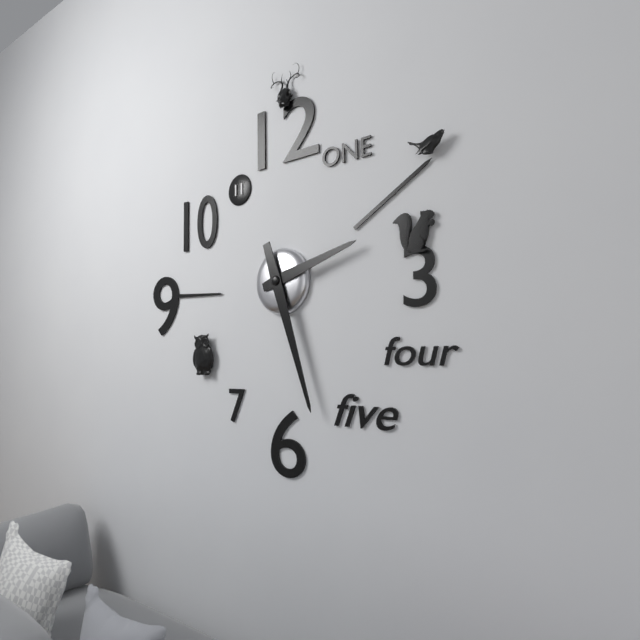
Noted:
2,27
